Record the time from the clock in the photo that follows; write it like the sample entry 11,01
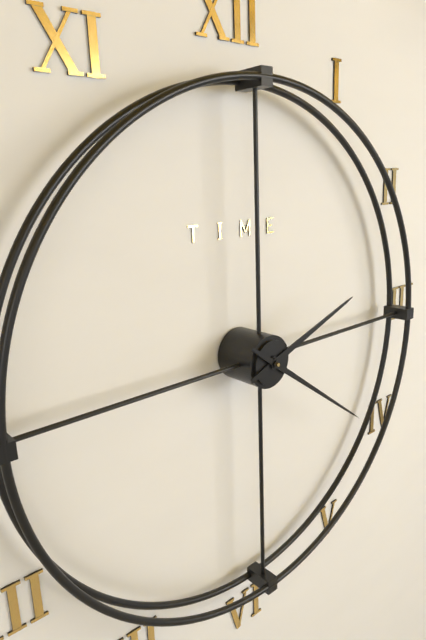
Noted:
2,21
